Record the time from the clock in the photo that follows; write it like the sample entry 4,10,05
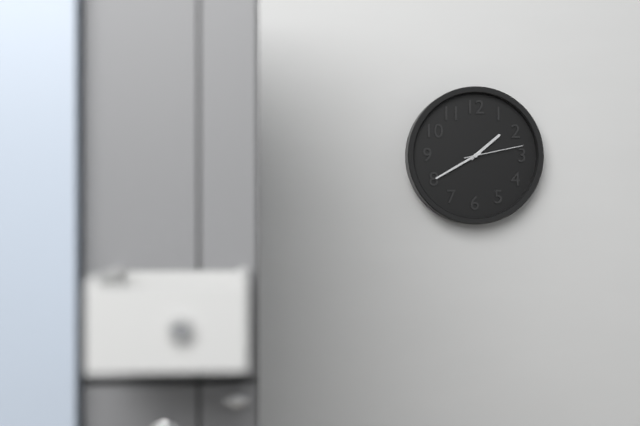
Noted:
1,40,13
